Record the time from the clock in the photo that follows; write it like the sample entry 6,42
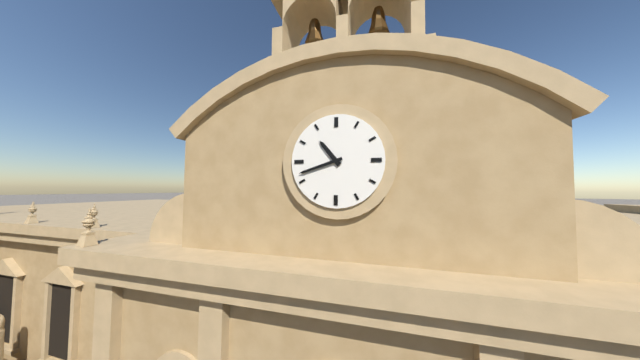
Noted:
10,42
